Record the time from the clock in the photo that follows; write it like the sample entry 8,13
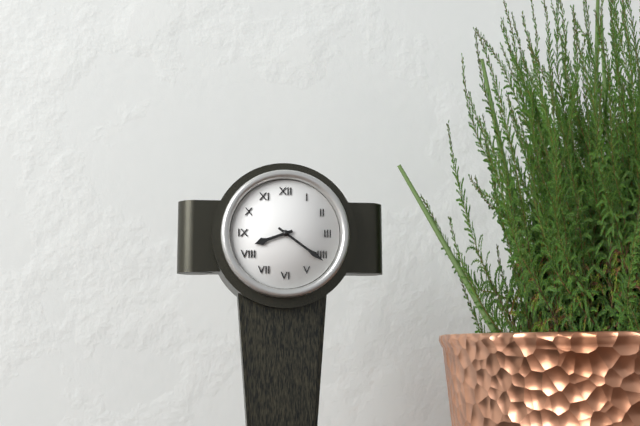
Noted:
8,21
